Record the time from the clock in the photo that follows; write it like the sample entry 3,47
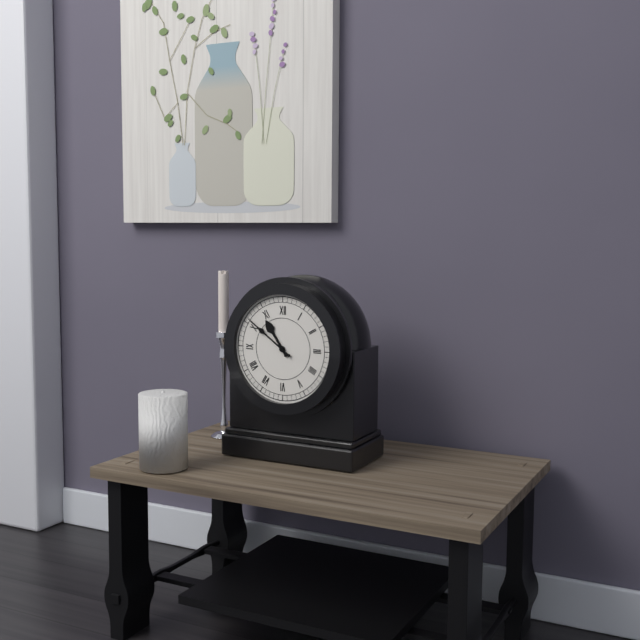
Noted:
10,51
